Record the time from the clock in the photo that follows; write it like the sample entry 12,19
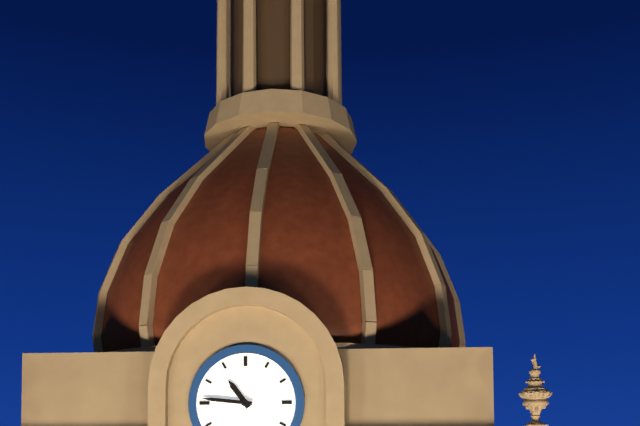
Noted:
10,46
